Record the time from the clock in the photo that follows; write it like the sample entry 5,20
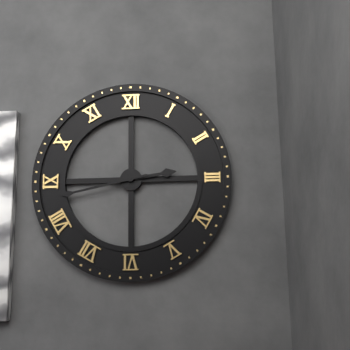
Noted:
2,43
